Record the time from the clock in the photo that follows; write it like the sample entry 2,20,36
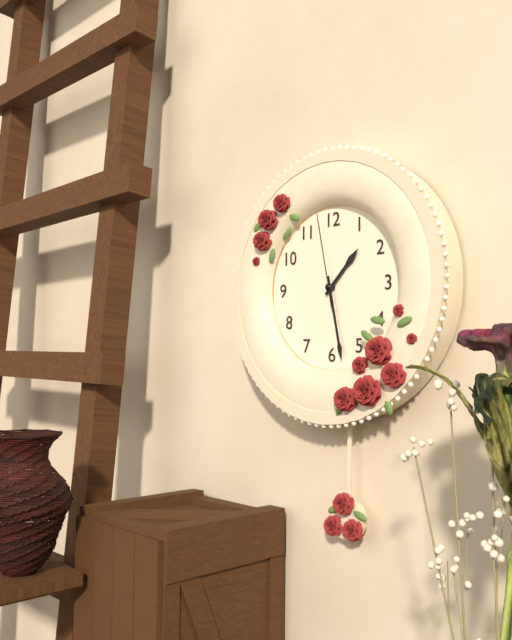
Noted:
1,28,58
